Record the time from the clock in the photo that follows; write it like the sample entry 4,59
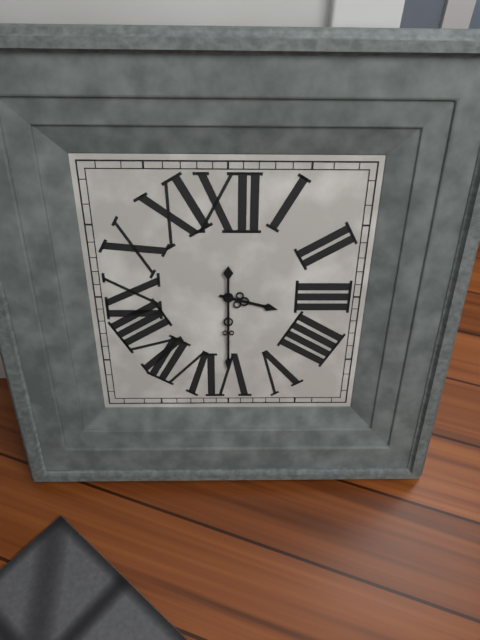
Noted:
3,30
